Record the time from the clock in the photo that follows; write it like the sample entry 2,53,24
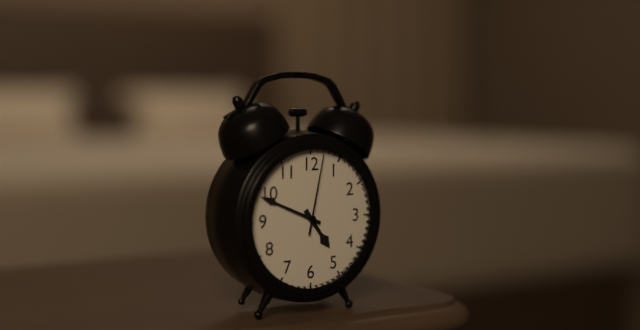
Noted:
4,49,02
